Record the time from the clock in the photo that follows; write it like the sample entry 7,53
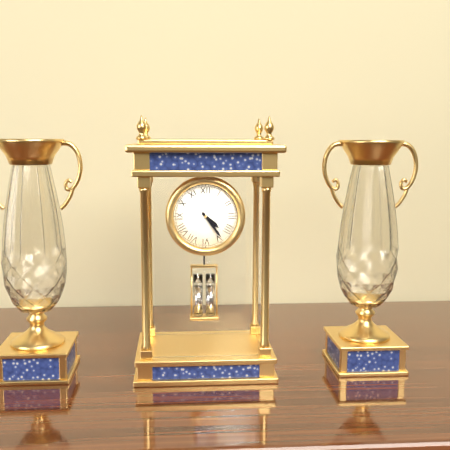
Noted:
4,24
